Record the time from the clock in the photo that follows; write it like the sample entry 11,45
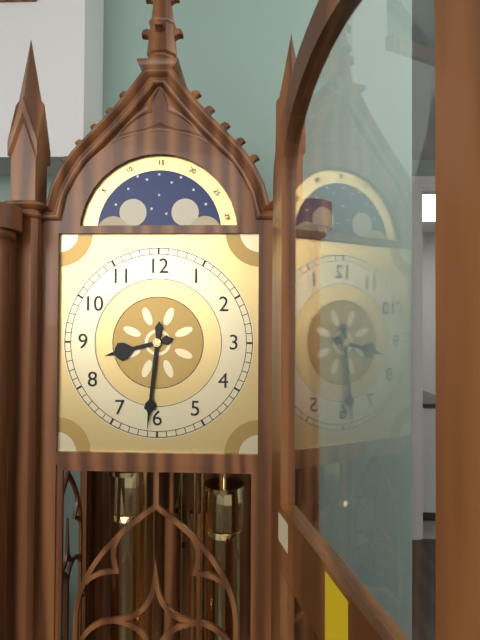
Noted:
8,31
